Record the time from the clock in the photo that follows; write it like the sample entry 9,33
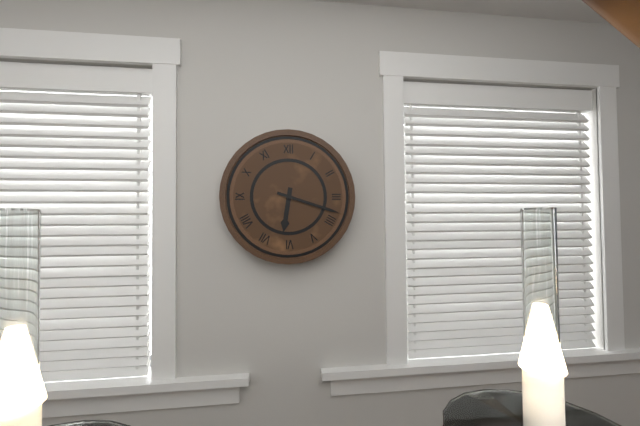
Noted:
6,18
